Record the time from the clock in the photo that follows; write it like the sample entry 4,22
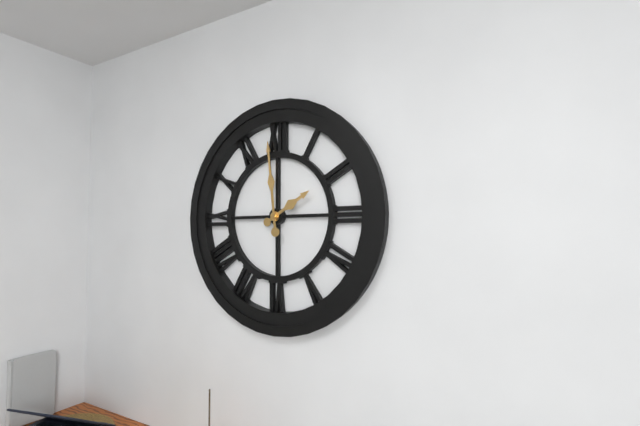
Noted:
1,59
